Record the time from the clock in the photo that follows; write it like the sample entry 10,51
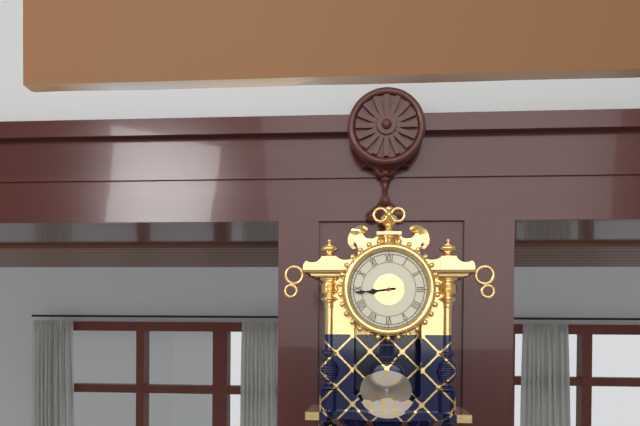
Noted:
8,44
